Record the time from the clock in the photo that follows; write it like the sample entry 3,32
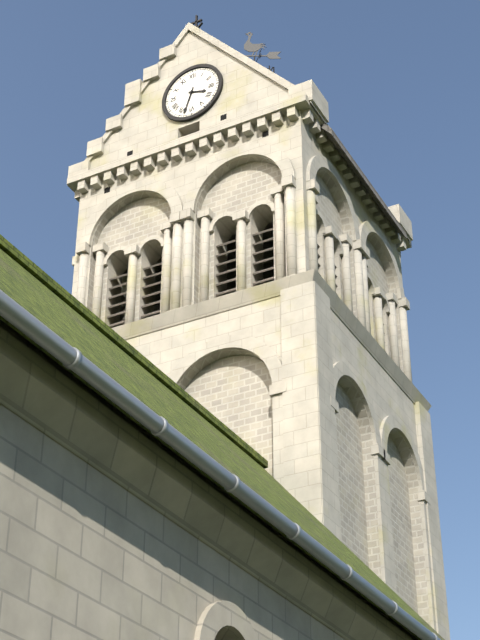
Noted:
3,33
